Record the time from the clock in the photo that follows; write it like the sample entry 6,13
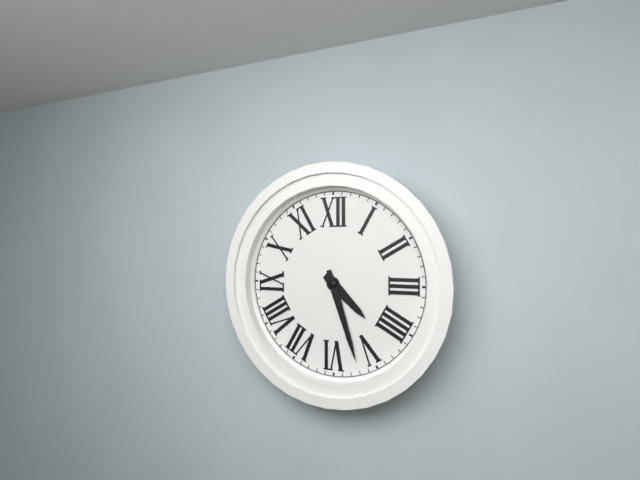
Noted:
4,27
